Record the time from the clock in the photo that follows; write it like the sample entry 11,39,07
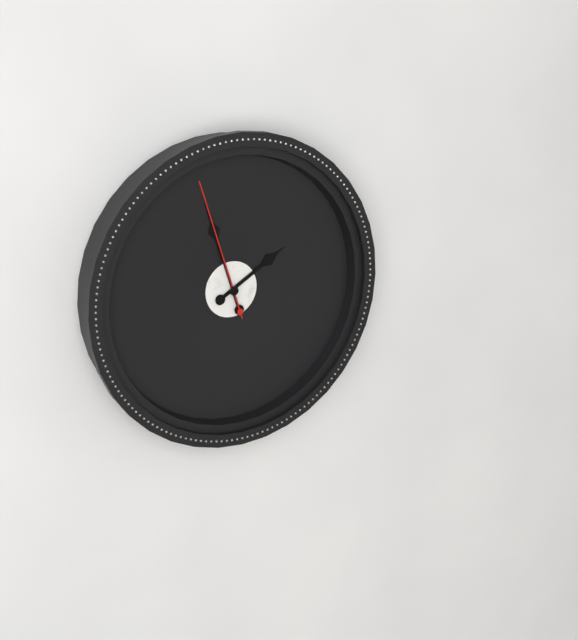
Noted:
1,57,57
